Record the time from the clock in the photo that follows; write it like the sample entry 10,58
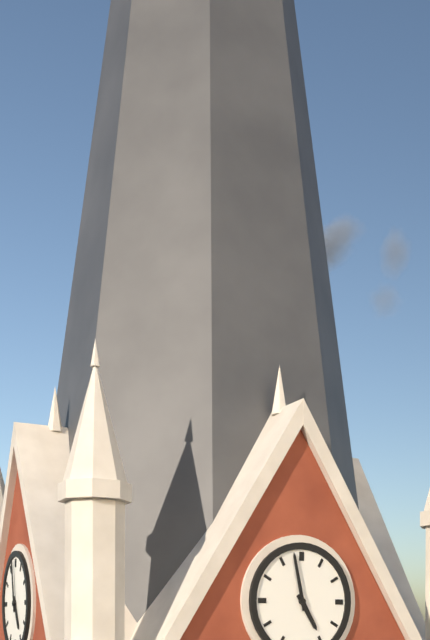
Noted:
4,58
